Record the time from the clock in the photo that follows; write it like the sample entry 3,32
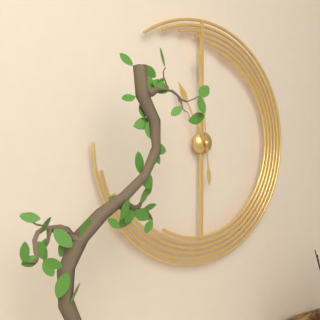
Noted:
10,59
